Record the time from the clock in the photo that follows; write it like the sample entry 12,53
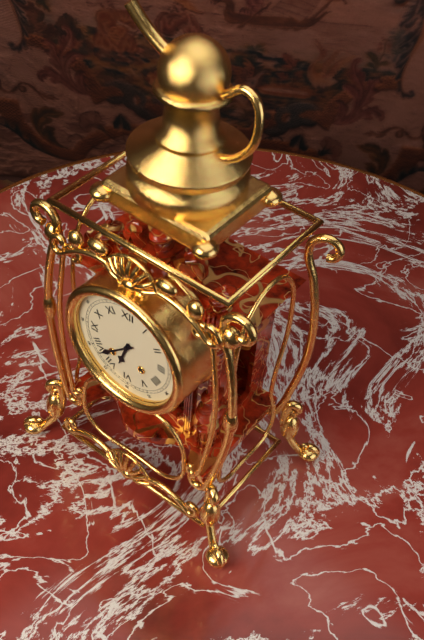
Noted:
6,38
